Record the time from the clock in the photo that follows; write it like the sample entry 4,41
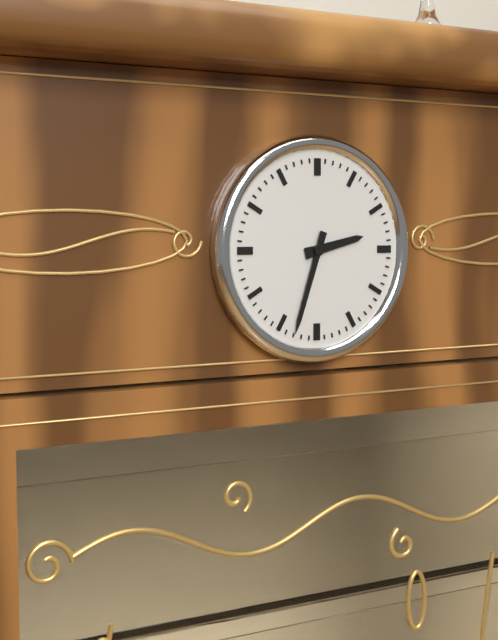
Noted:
2,33
